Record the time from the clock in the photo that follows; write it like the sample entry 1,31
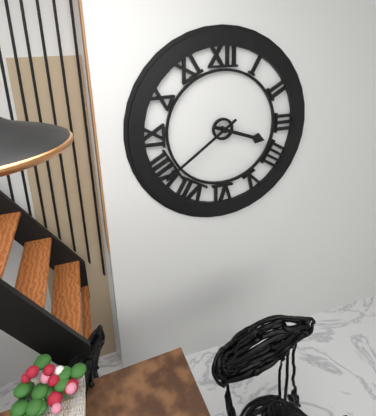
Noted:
3,39
